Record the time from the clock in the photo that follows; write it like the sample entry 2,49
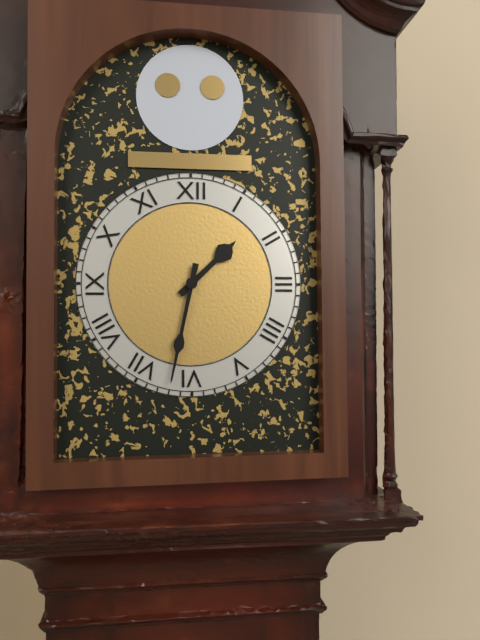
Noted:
1,32
